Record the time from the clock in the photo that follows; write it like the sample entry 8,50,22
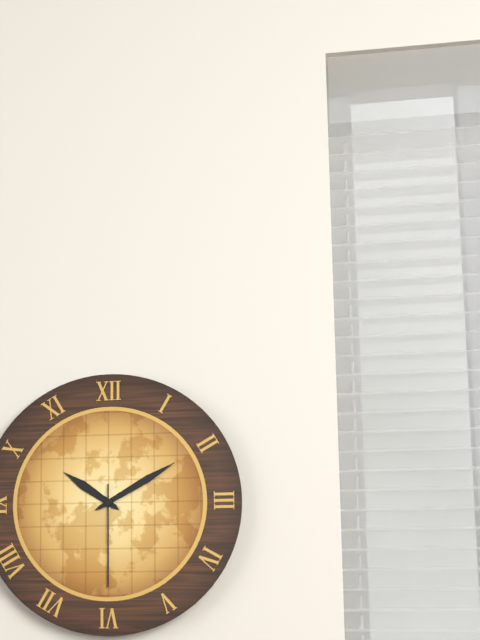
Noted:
10,10,30
